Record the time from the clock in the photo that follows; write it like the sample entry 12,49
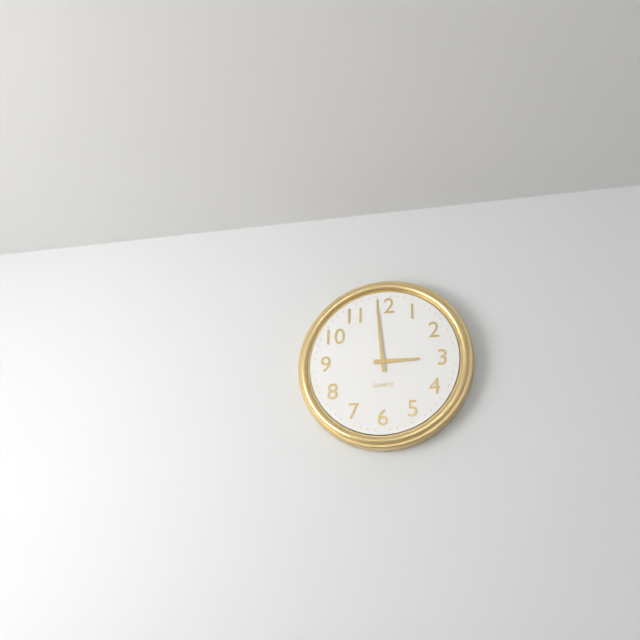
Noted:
2,59
